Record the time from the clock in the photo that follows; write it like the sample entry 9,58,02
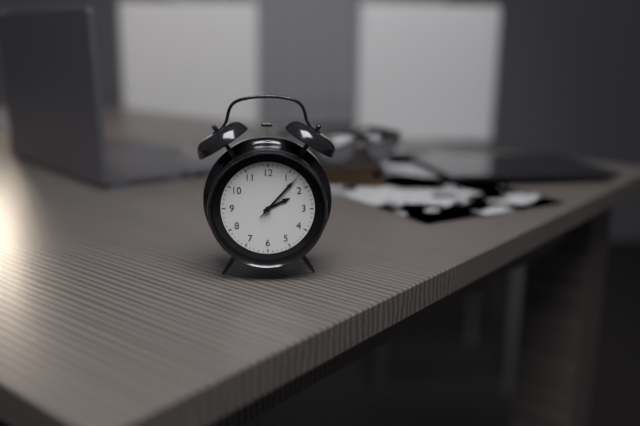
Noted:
2,07,07
